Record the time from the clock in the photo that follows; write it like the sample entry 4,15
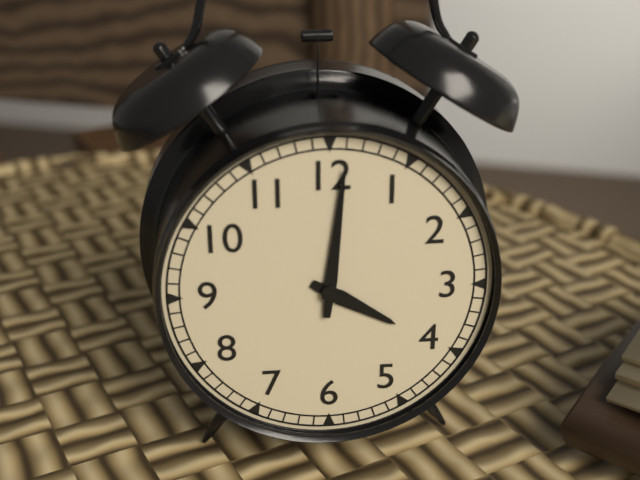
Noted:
4,01
